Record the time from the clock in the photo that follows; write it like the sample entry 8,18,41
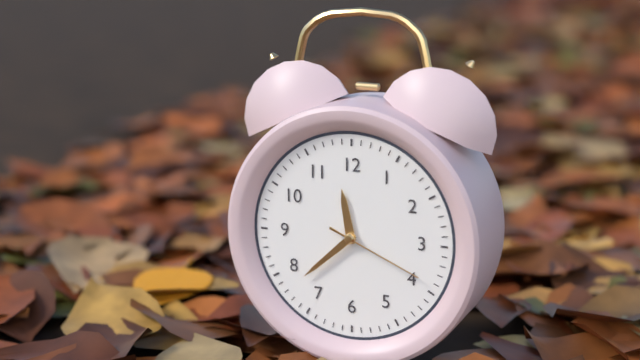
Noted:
11,38,19
